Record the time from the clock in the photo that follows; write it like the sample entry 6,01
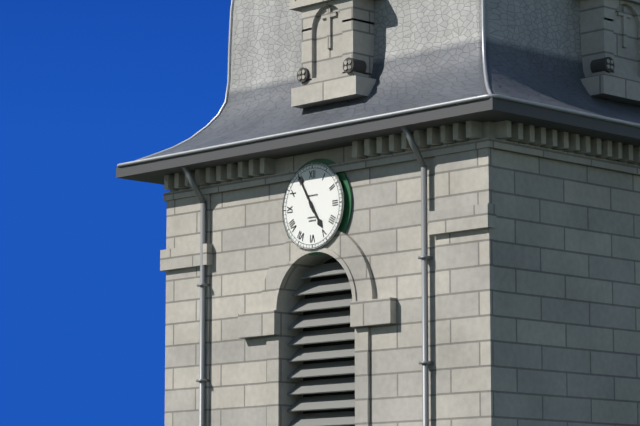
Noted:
4,55
